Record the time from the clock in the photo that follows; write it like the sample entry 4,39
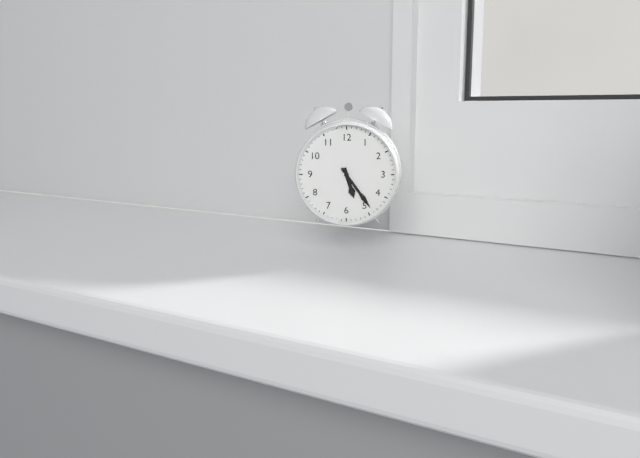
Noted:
5,24
